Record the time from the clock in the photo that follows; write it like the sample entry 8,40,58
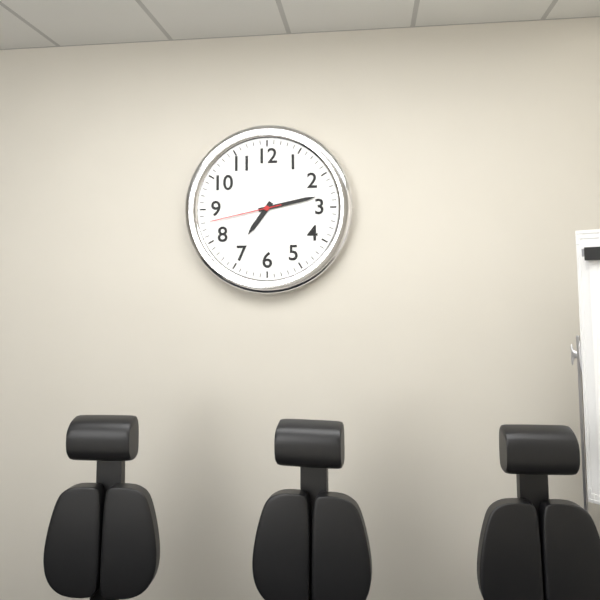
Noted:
7,13,43
